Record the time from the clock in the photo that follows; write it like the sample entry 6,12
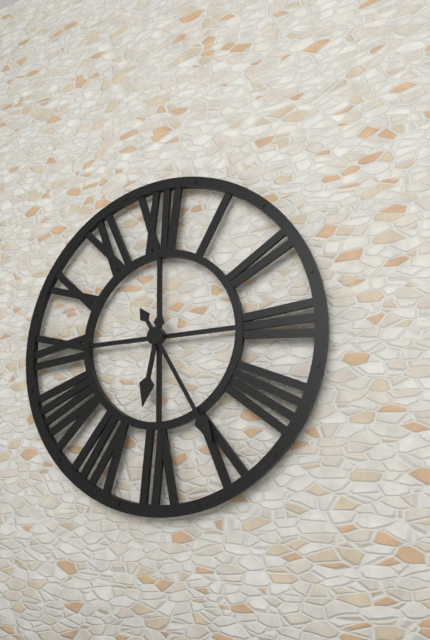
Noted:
6,25
